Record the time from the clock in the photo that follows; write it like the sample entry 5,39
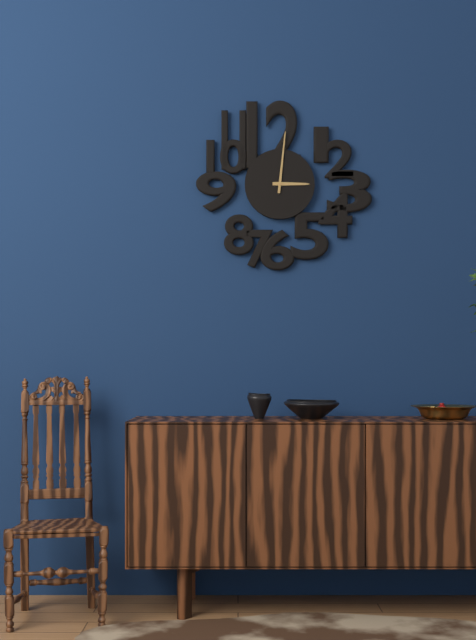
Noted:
3,01
